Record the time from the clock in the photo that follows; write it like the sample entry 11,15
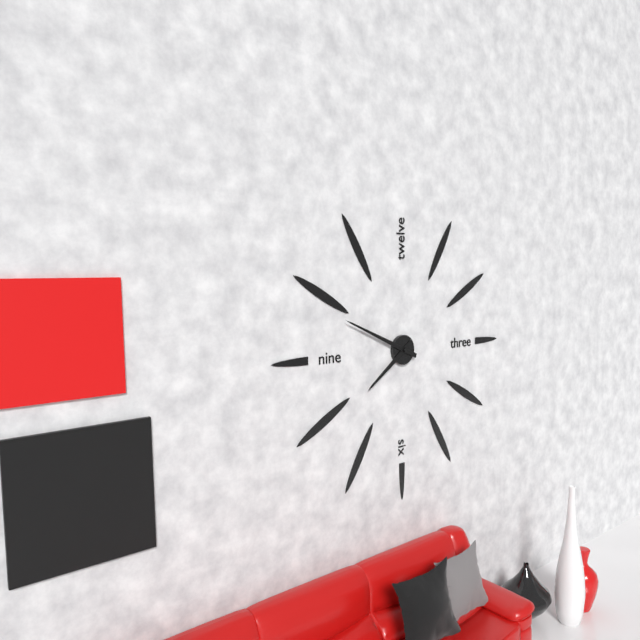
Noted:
7,49
